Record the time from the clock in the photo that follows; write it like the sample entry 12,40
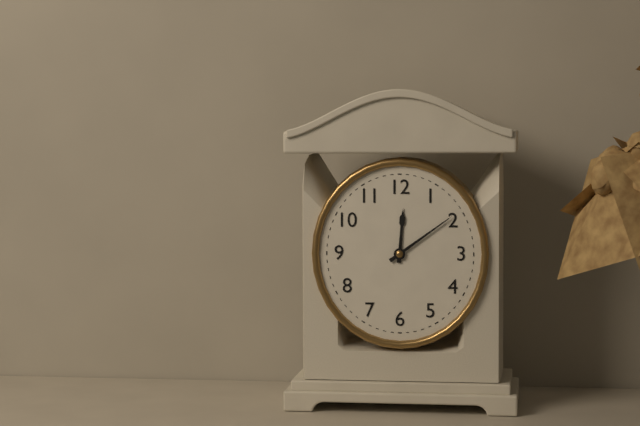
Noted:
12,09
